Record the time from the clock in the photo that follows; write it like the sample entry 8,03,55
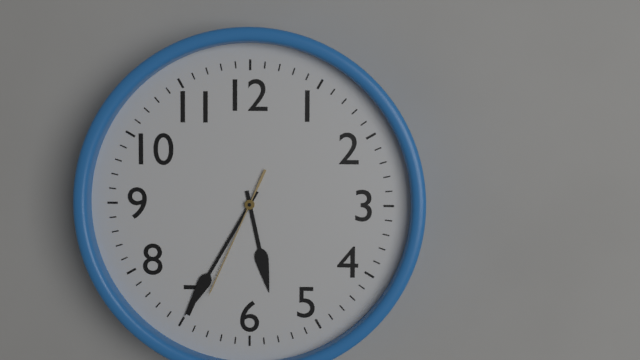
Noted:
5,35,34
